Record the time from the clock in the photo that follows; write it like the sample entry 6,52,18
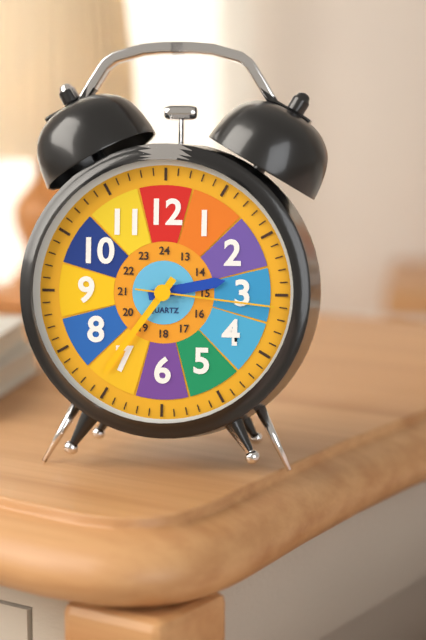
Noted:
2,36,16
